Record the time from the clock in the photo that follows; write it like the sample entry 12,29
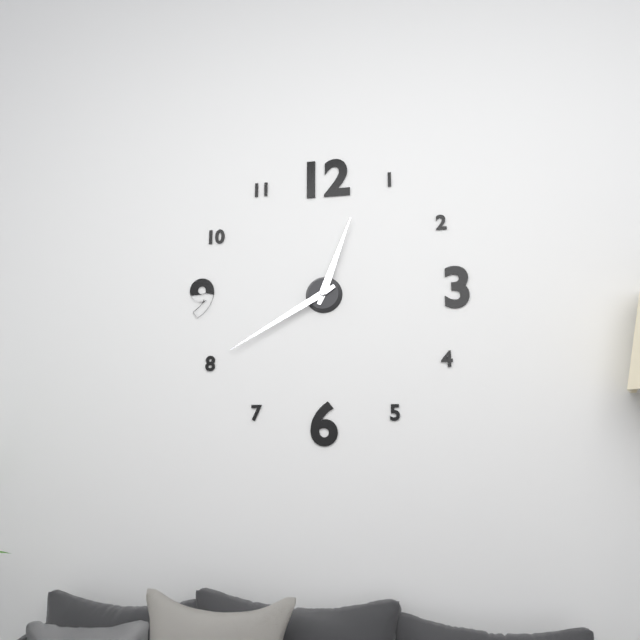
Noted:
12,40
